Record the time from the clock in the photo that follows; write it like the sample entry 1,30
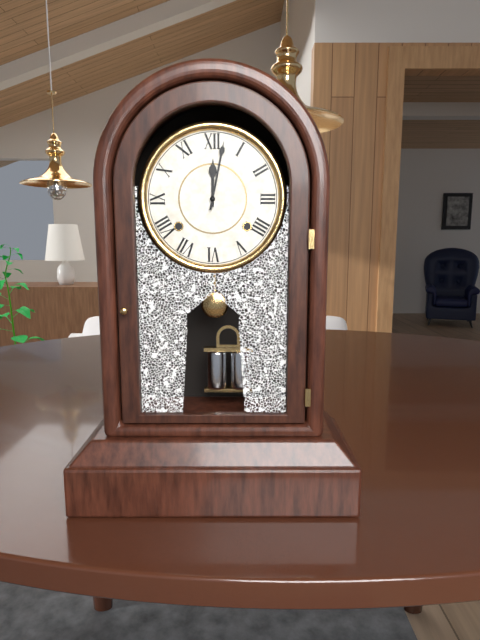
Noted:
12,02
